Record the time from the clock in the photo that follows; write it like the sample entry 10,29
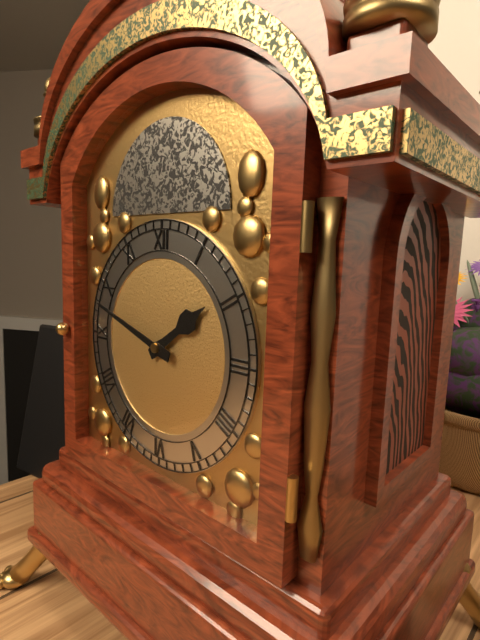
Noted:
1,48
